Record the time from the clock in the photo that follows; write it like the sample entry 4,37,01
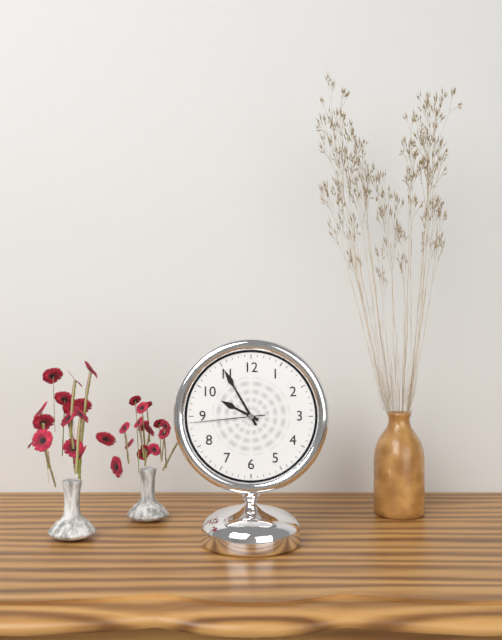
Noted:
9,55,44
